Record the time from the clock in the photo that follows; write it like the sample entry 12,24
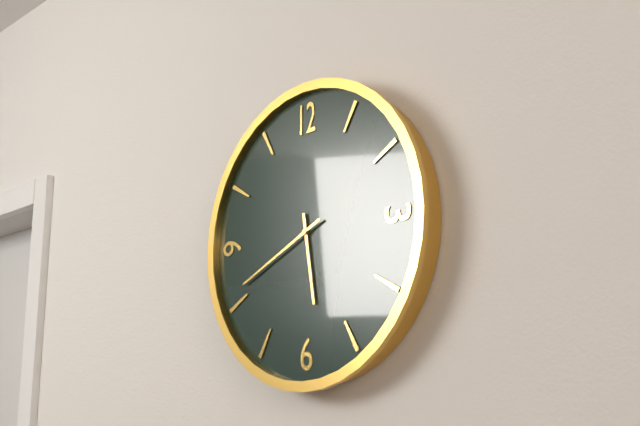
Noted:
5,41
